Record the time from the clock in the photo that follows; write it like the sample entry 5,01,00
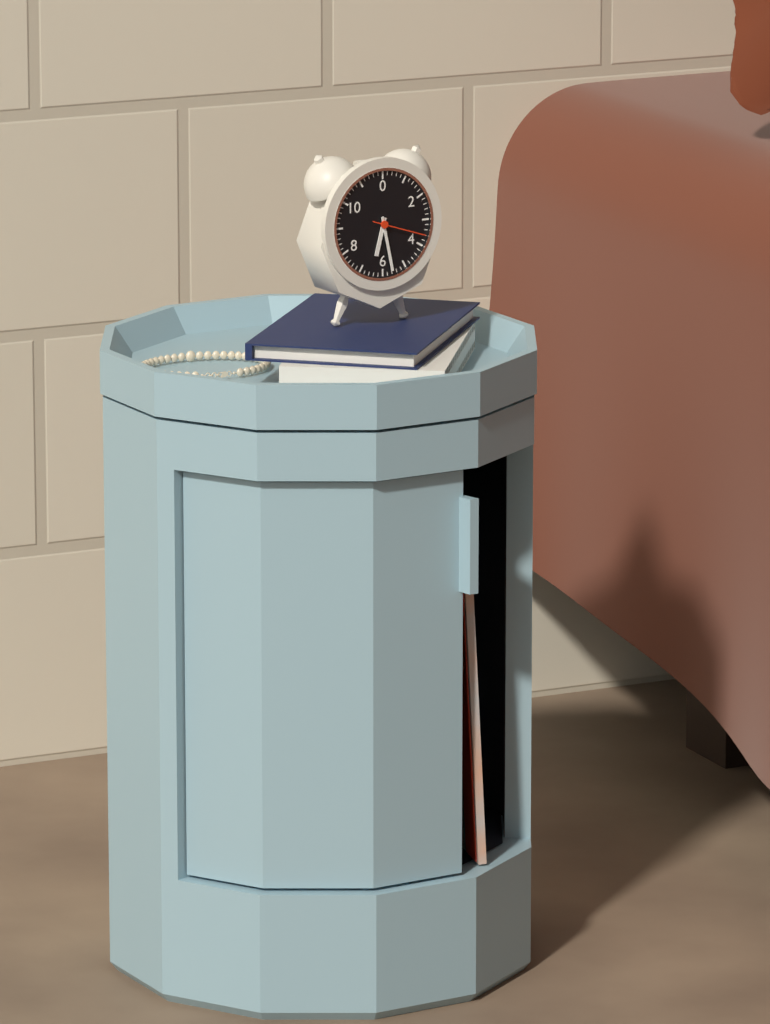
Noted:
6,28,18
